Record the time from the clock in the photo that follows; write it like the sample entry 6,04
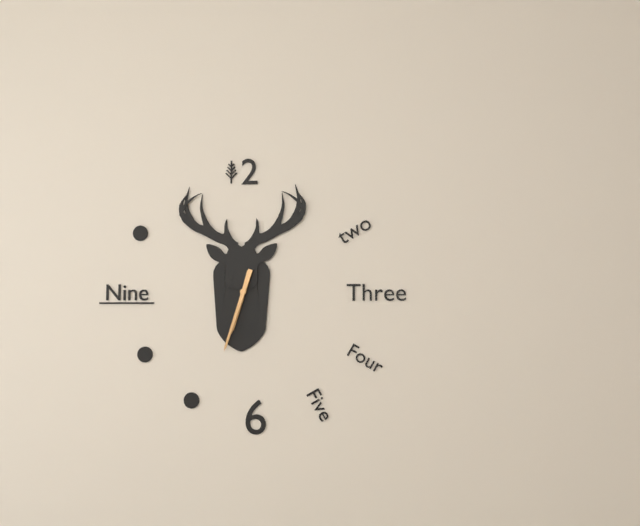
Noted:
6,33
